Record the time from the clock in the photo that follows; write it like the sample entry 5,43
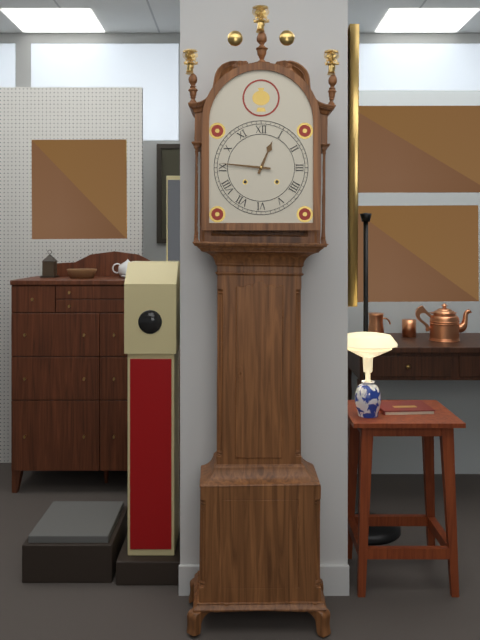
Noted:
12,46
